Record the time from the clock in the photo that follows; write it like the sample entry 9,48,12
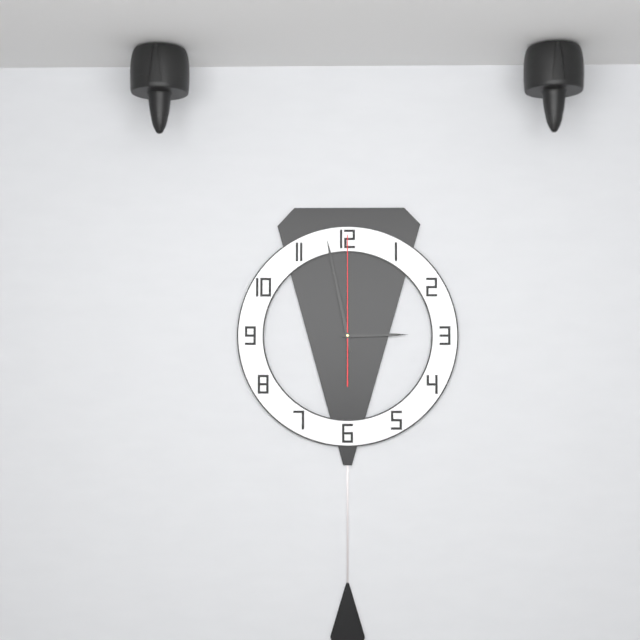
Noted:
2,58,00
